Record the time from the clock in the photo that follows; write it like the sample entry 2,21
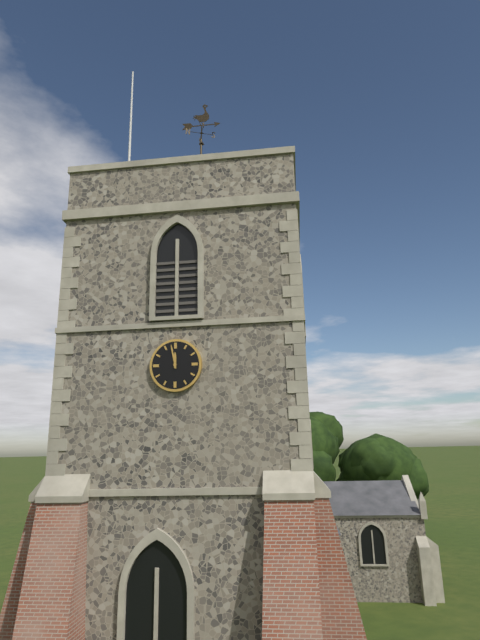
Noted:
11,58
